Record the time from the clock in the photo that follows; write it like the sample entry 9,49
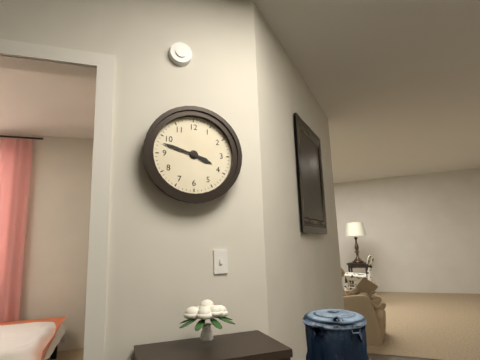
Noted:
3,48
